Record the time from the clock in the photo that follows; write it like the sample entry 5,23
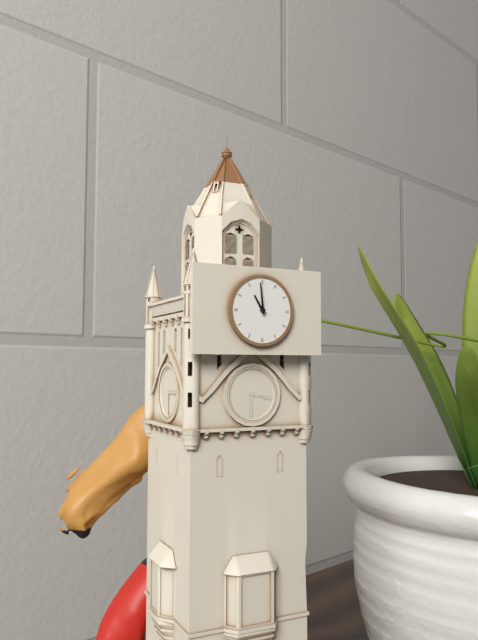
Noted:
10,59
